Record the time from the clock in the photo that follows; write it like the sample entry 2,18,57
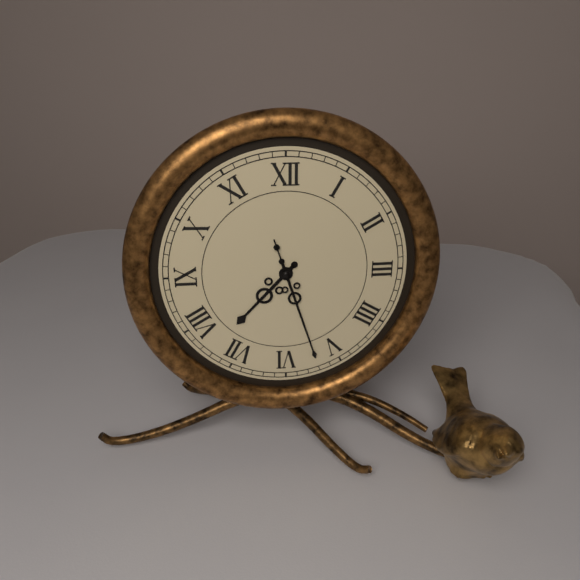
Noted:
7,27,27
